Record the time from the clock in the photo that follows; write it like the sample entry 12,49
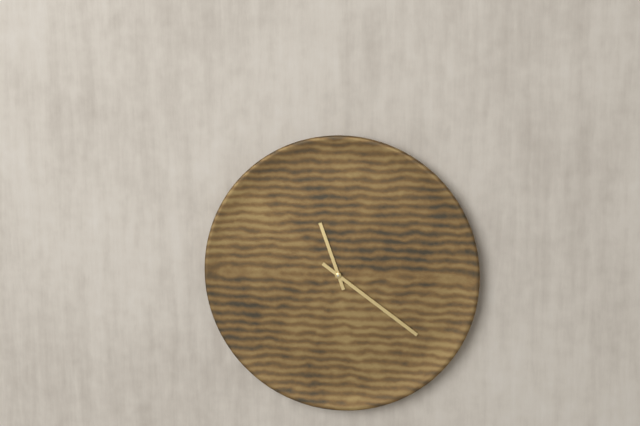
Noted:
11,21
